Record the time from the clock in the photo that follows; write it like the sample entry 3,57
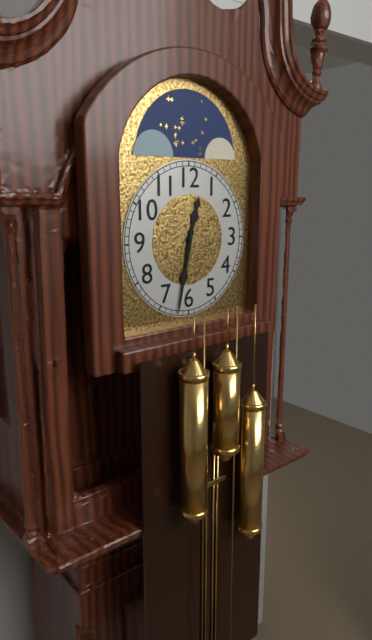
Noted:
12,32
